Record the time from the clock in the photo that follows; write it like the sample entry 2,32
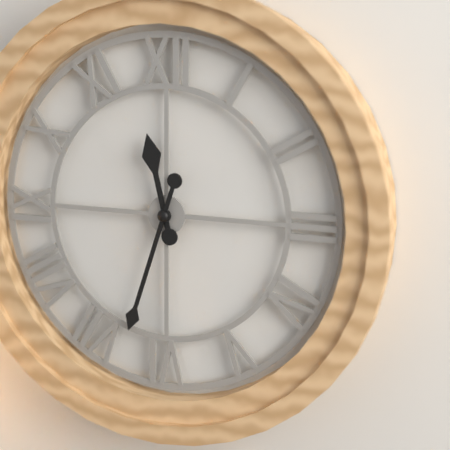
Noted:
11,33
